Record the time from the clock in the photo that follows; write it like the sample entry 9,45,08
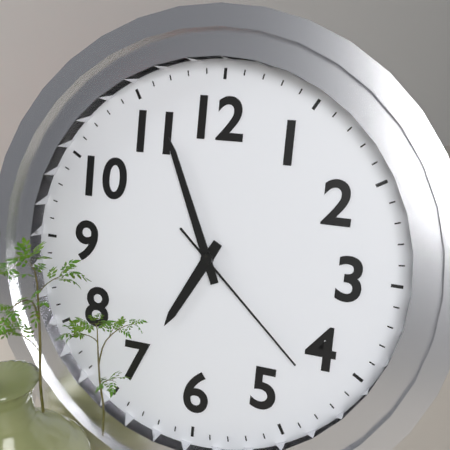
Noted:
6,56,22
